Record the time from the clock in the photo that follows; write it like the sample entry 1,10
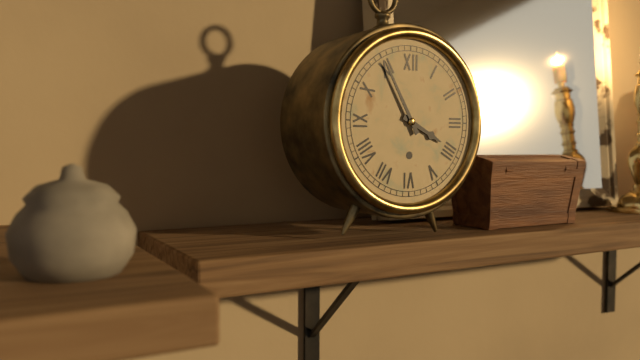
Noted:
3,55
